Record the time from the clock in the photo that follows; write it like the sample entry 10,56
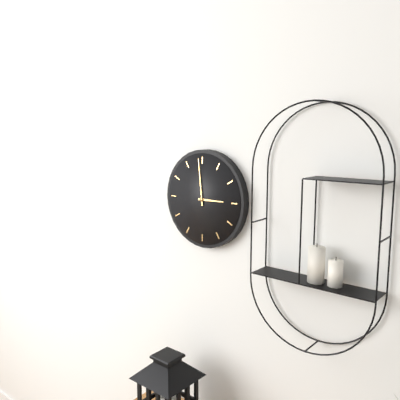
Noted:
2,59
